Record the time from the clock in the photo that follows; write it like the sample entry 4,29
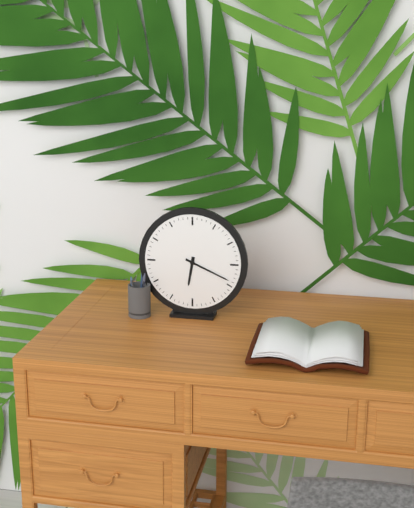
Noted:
6,19
